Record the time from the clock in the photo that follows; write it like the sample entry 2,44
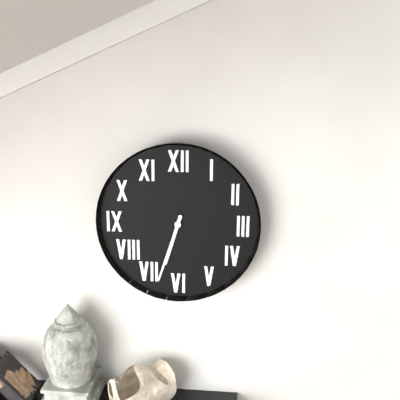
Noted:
6,33
